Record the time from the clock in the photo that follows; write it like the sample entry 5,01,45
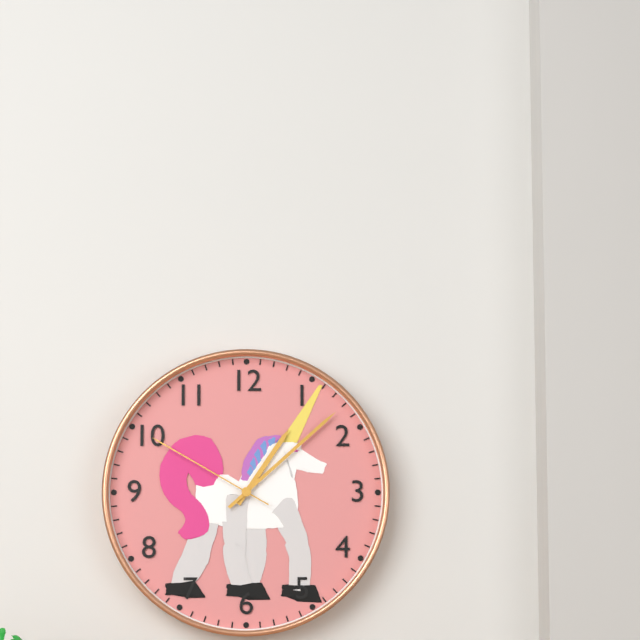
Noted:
1,08,50
